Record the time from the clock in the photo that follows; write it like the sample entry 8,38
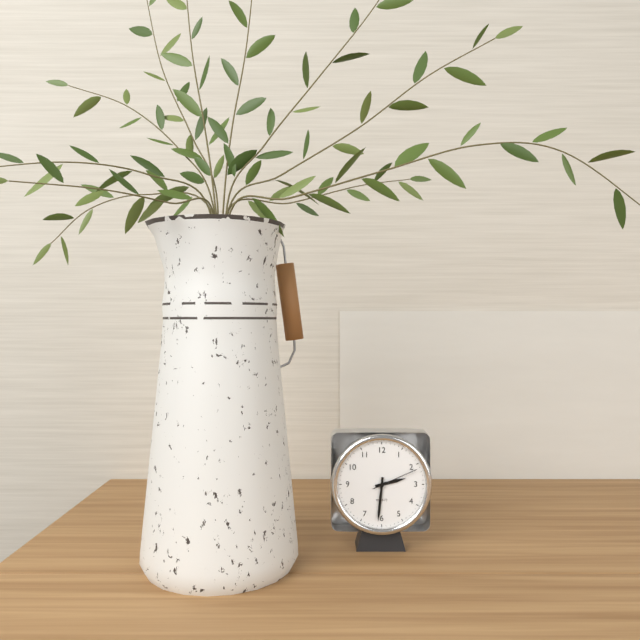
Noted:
2,31
